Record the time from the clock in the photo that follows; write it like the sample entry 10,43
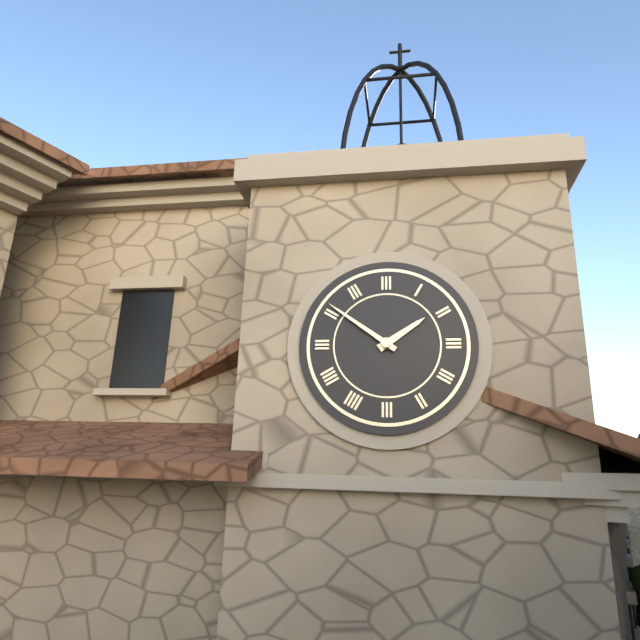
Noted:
1,51
